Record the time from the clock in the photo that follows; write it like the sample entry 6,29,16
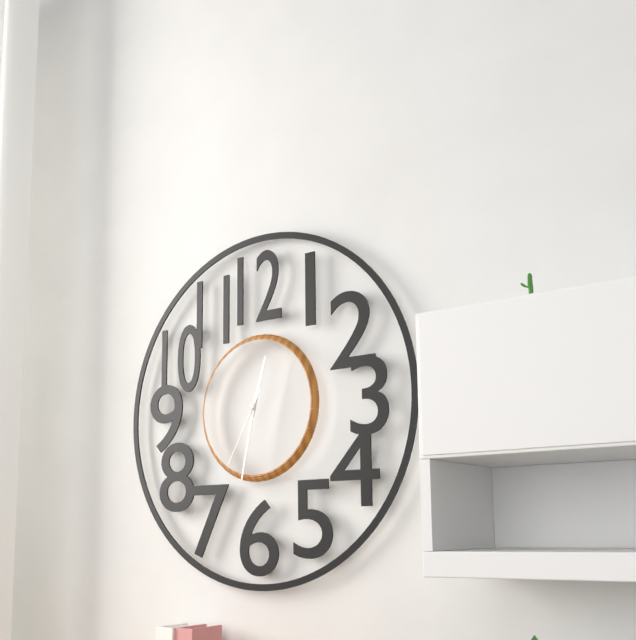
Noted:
12,32,35
